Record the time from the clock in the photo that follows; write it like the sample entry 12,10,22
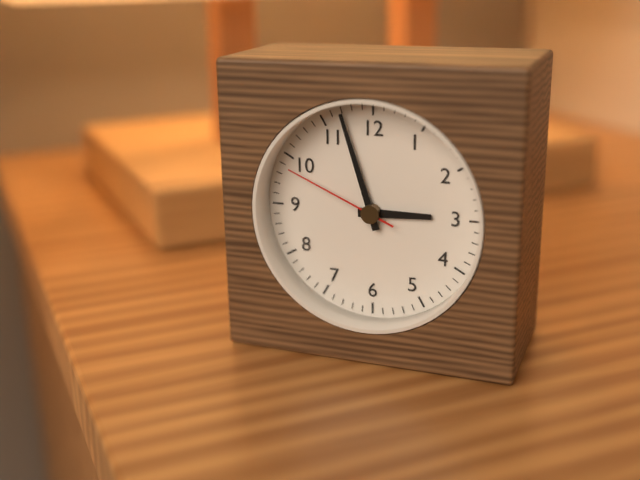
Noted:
2,57,49
